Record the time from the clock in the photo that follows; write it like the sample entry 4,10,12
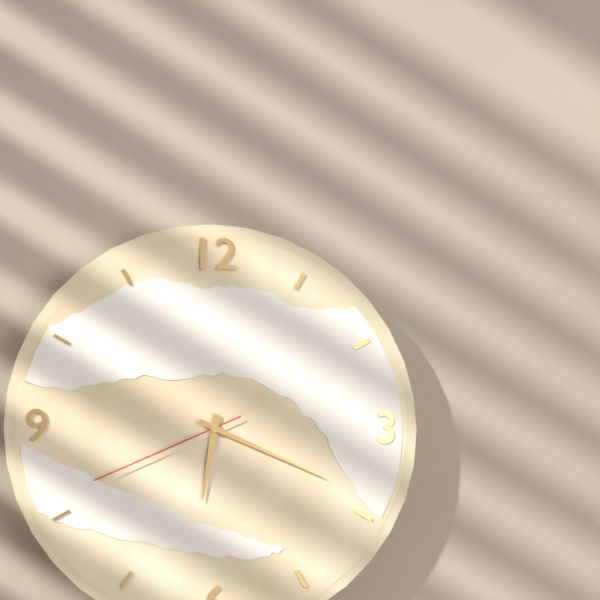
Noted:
6,19,41
